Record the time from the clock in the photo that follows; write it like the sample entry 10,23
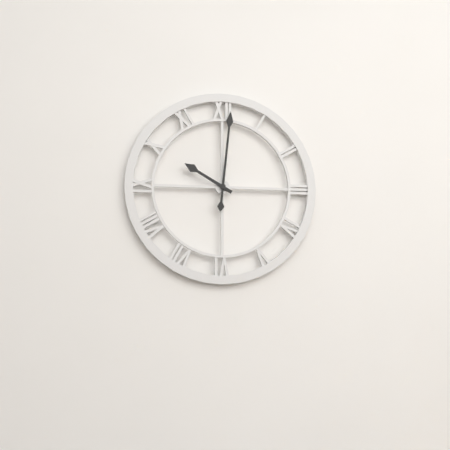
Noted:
10,01
